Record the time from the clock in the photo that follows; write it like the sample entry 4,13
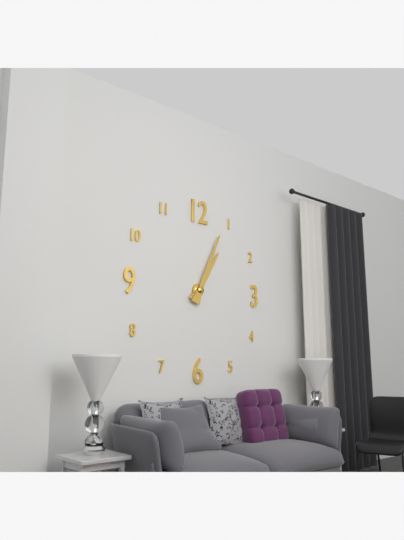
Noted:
1,04
